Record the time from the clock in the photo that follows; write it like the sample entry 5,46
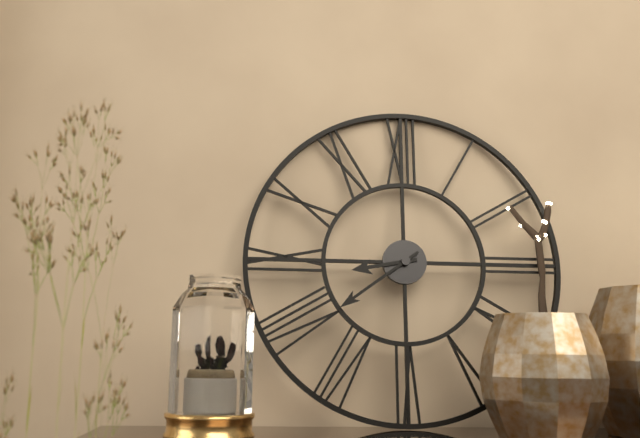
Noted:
8,39
